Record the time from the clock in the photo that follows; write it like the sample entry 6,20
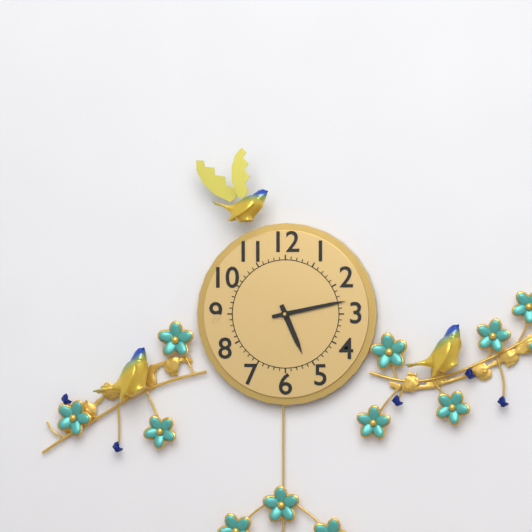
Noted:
5,13
